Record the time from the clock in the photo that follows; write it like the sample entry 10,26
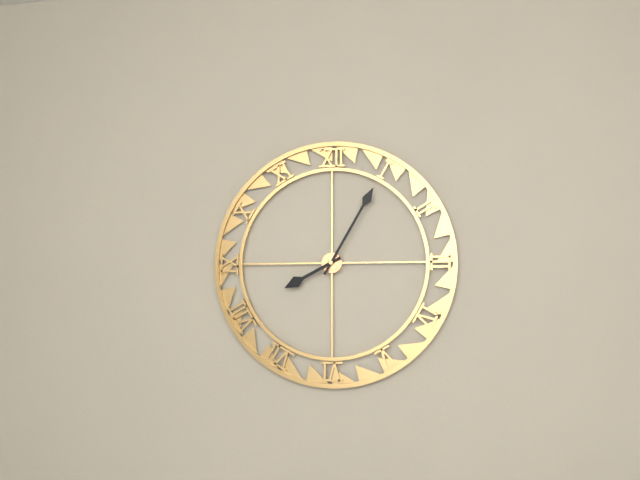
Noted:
8,05
